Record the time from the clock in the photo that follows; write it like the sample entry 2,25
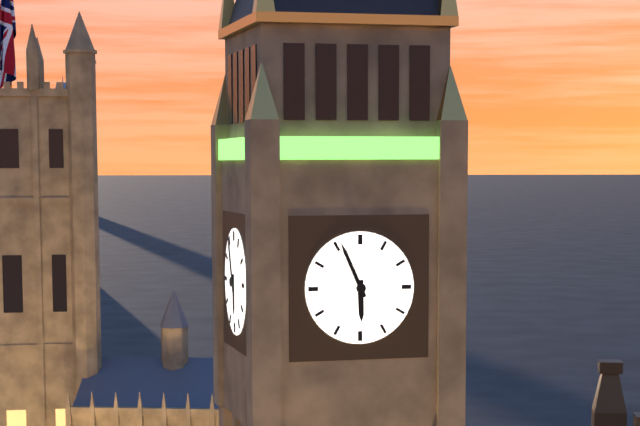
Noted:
5,56
